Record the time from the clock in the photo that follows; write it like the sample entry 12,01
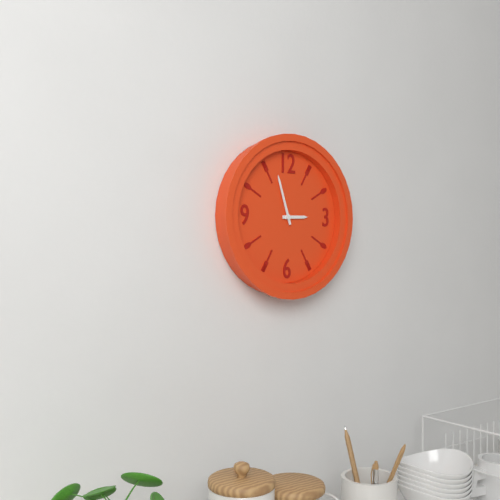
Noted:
2,57
